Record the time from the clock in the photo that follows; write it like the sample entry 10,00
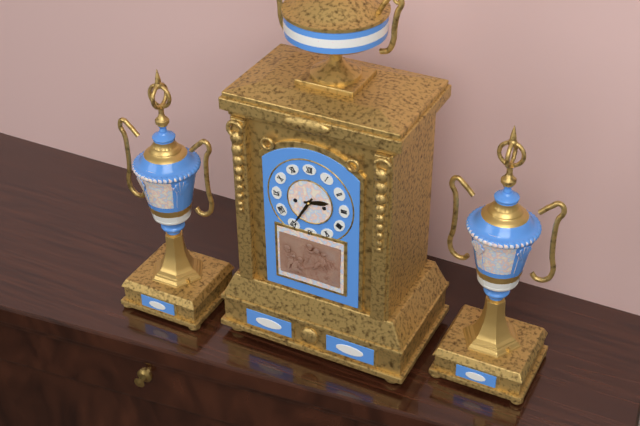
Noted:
2,35
